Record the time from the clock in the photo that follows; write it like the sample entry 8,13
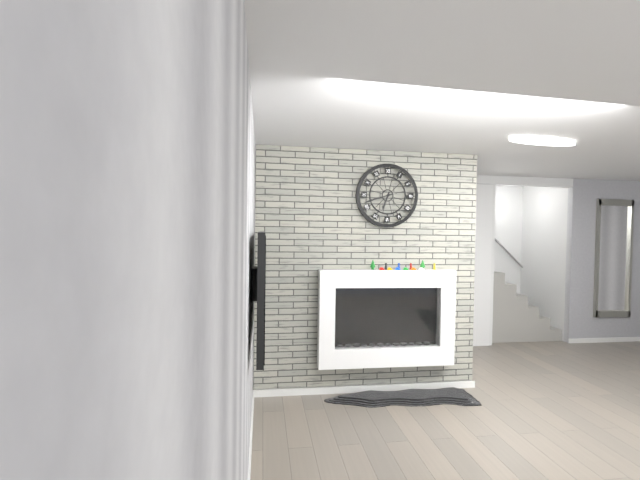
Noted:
6,42
